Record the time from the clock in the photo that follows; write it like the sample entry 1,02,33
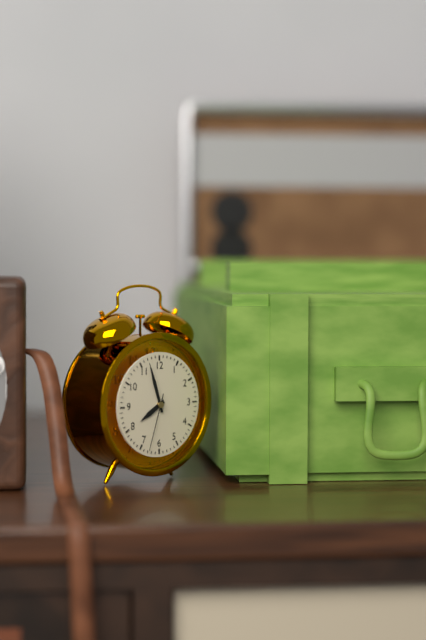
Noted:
7,57,33
